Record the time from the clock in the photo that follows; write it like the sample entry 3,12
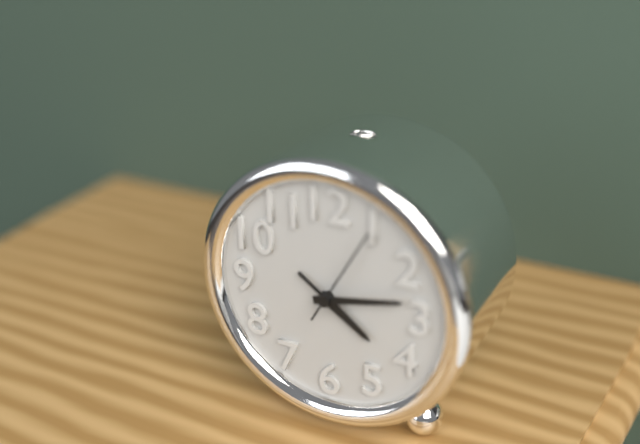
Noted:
4,13
